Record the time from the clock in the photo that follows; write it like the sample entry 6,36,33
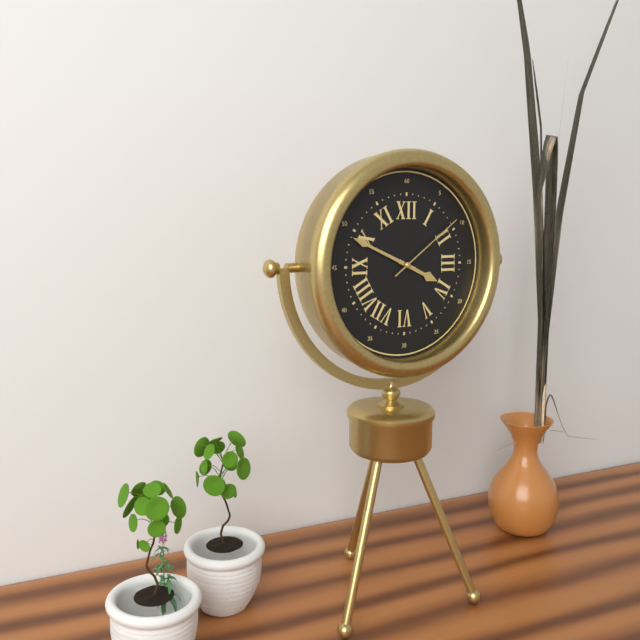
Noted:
3,49,09
